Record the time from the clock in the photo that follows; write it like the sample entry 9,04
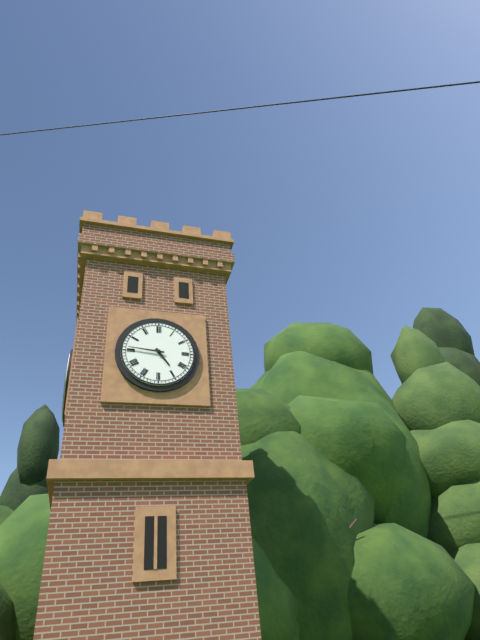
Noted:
4,46
